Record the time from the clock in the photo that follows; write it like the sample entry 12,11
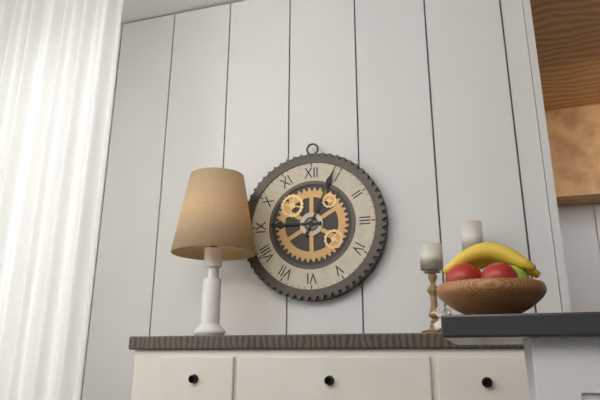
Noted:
9,04
